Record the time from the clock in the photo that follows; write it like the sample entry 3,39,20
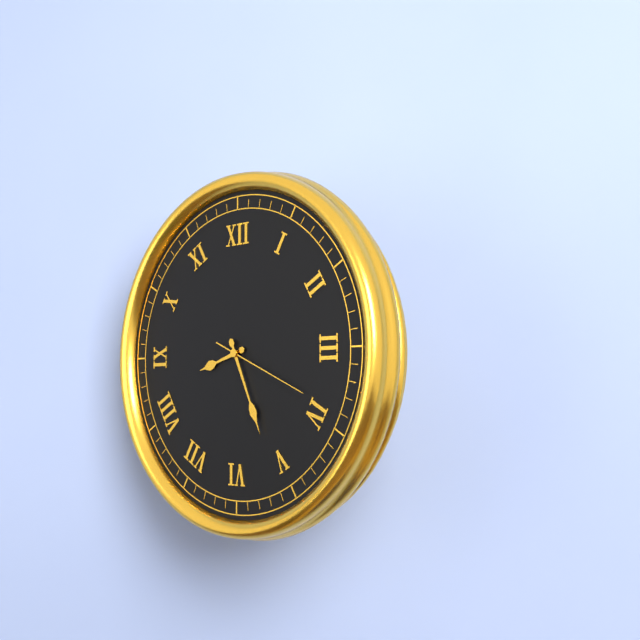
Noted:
8,26,19
